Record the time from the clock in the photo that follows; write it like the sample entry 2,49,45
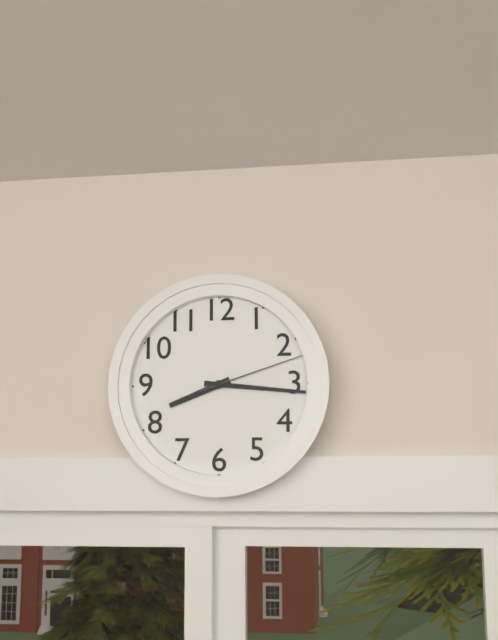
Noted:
8,16,12
